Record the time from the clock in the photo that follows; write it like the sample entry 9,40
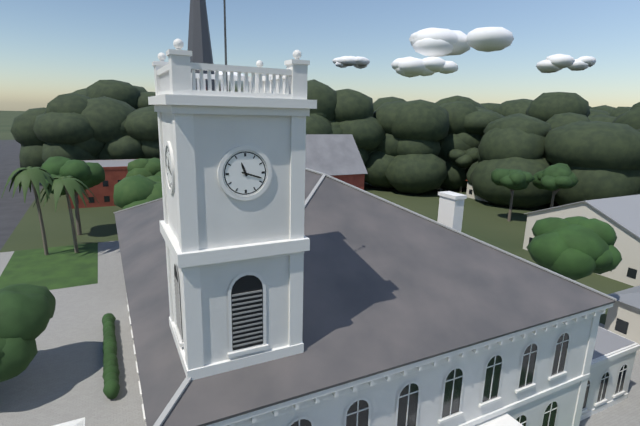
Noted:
11,18
